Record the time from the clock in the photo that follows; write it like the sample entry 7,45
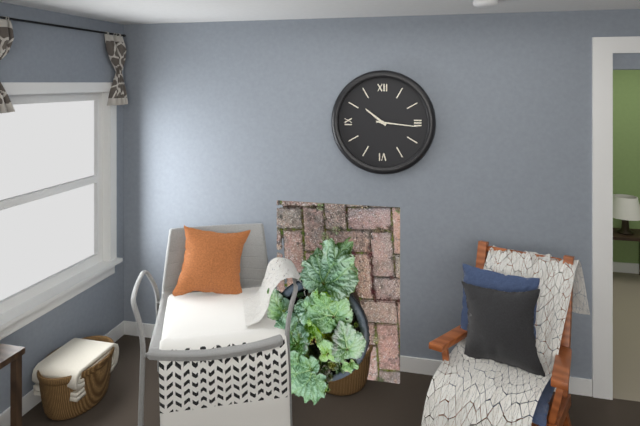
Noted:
10,16
